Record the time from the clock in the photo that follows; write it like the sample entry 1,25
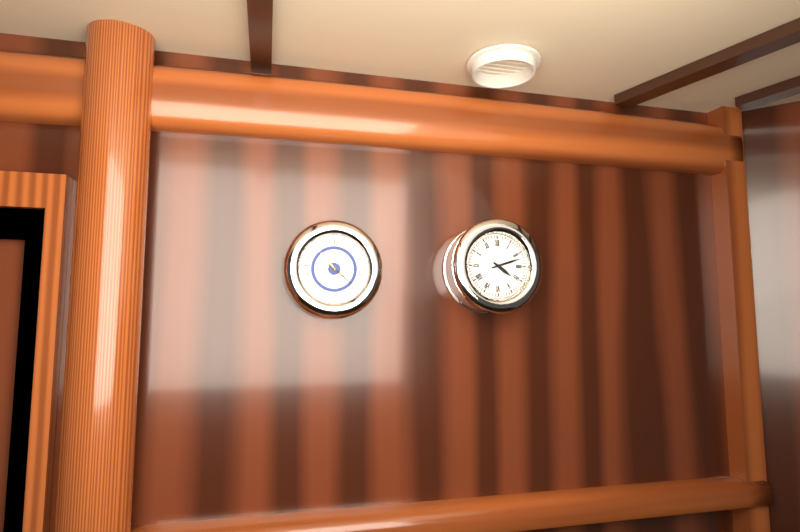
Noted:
4,12
